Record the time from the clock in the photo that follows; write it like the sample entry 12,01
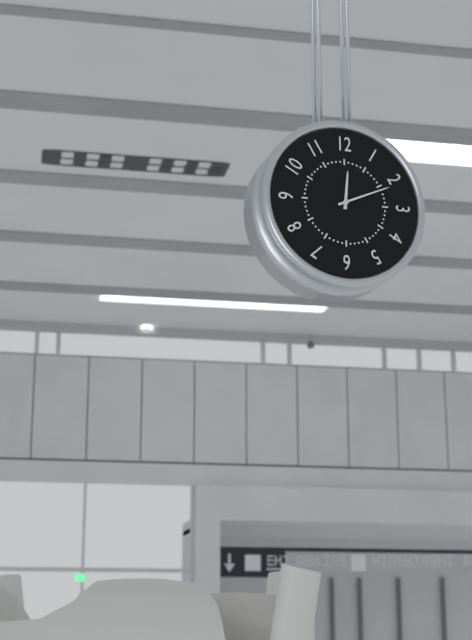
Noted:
12,11
